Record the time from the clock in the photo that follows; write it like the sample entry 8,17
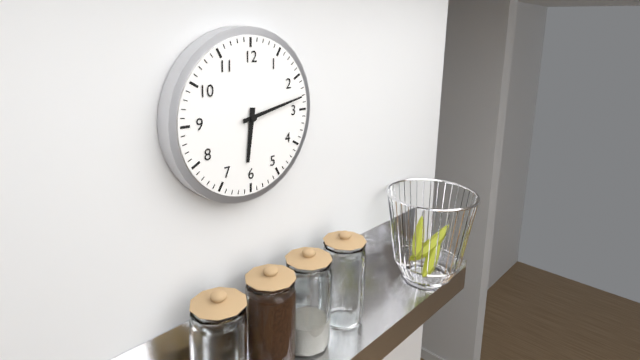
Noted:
6,13
